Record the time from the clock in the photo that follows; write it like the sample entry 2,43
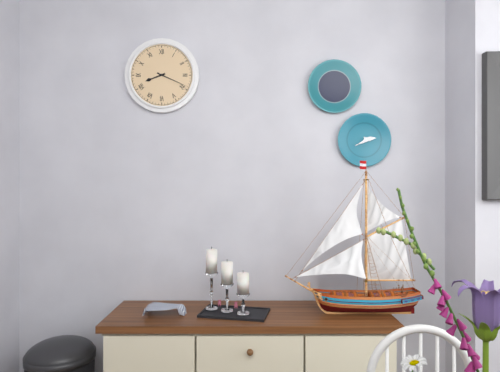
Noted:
8,19
